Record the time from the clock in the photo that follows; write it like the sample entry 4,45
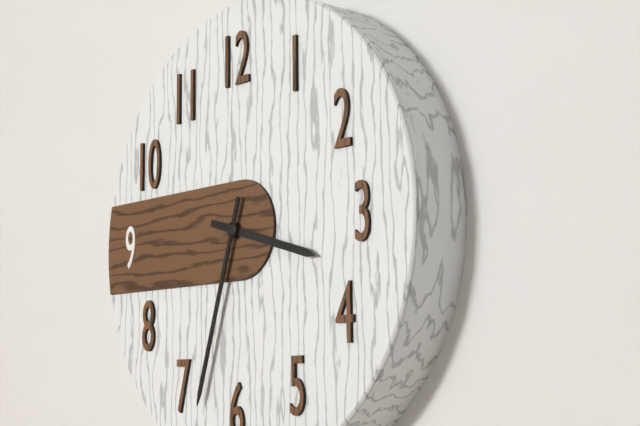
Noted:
3,33
